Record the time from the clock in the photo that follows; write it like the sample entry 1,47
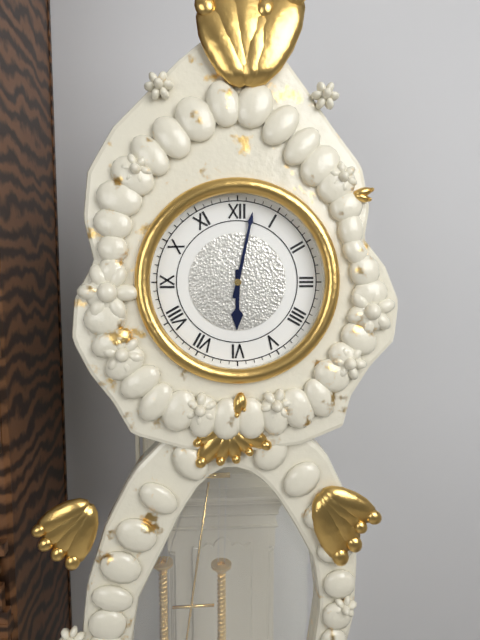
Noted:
6,02
